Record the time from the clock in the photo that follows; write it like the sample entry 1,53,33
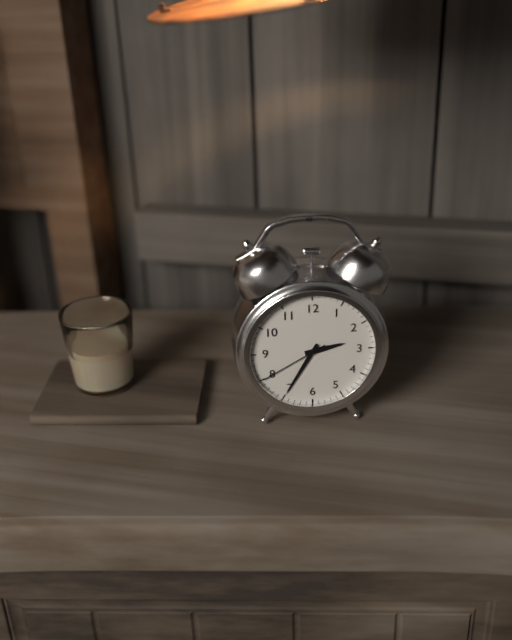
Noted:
2,35,40
